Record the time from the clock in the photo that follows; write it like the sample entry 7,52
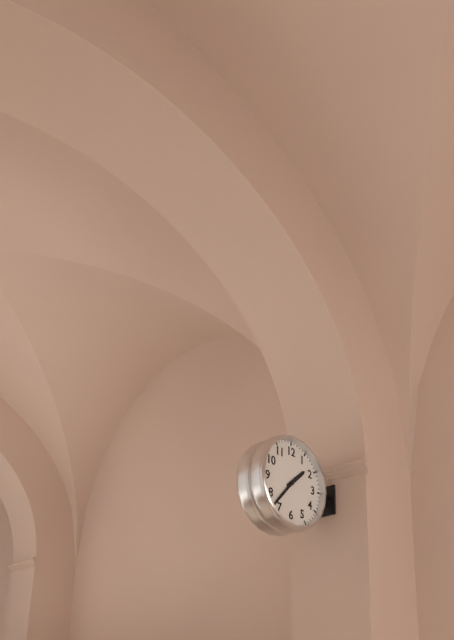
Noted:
1,37
